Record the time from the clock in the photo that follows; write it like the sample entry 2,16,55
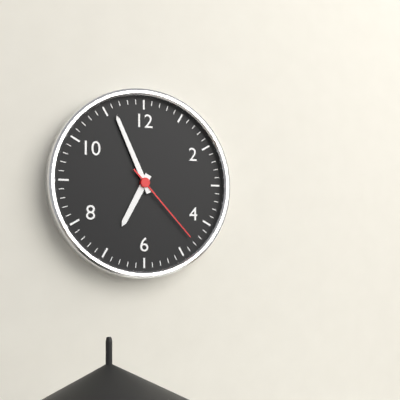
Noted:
6,56,23
